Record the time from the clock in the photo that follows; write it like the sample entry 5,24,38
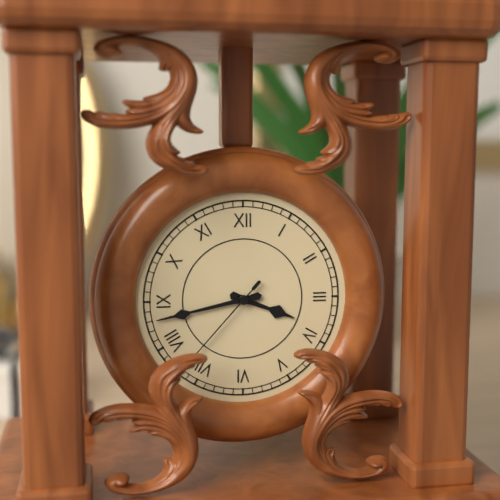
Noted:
3,43,37
